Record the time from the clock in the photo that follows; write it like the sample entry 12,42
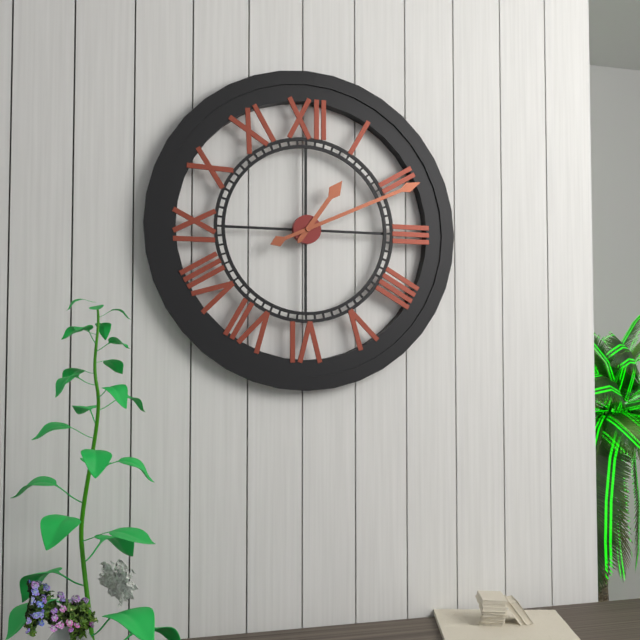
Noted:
1,11
